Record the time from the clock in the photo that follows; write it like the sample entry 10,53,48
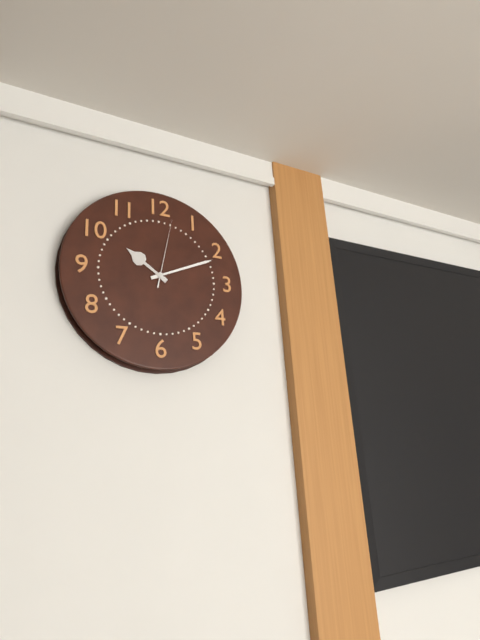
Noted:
10,11,02
